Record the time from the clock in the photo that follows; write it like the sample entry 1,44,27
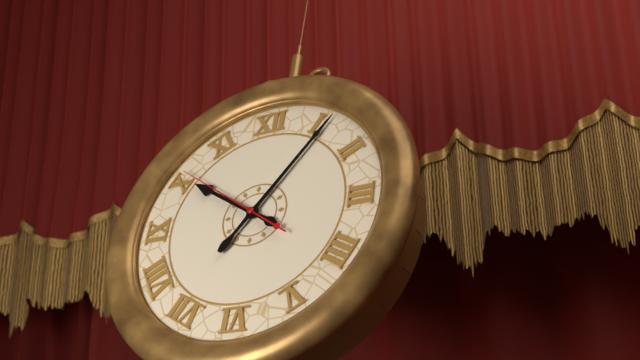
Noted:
10,06,51
